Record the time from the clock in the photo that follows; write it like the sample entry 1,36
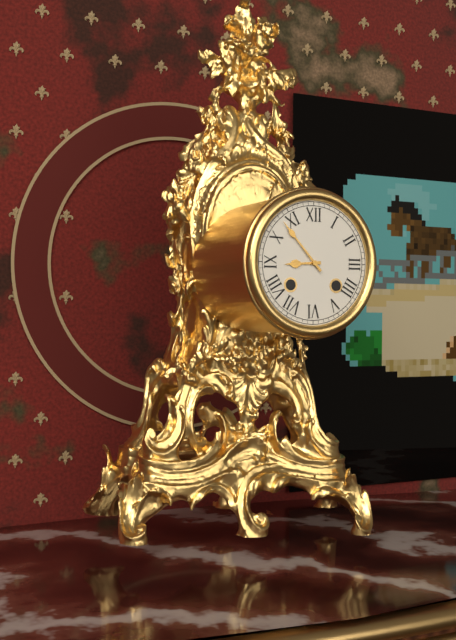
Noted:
8,53
